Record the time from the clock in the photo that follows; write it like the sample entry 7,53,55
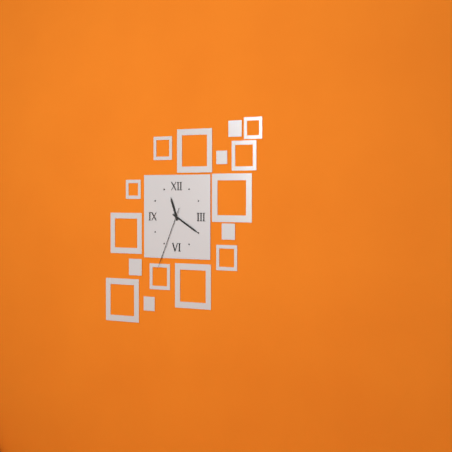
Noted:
11,20,34
